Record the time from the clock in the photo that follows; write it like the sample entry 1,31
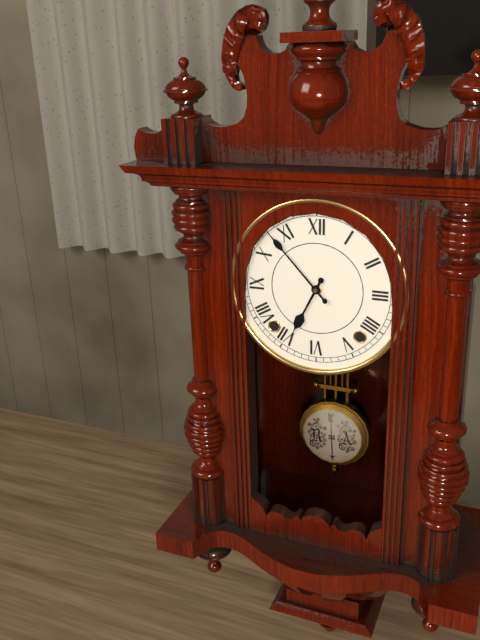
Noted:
6,53
